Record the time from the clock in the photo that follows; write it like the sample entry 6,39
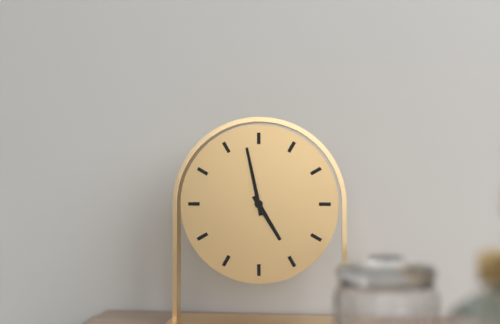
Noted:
4,58
